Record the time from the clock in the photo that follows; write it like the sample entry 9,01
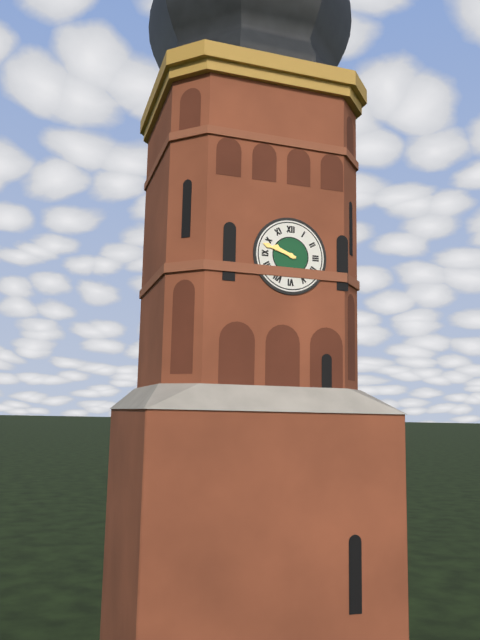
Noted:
9,48
